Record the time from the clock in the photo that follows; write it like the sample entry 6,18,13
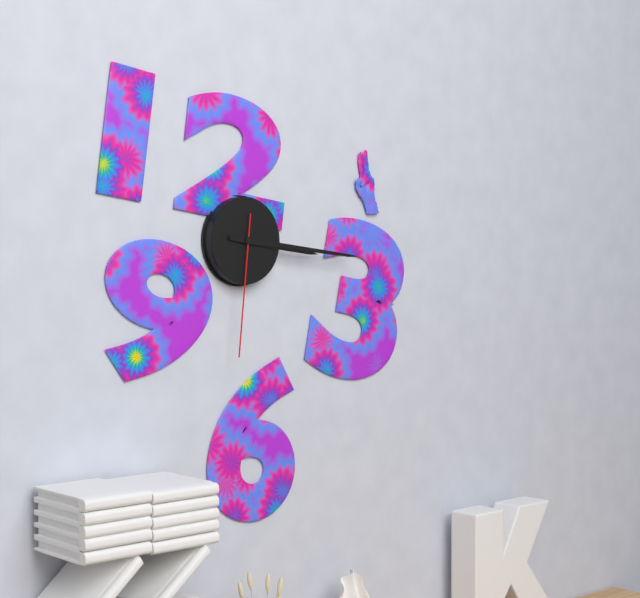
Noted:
3,16,31
